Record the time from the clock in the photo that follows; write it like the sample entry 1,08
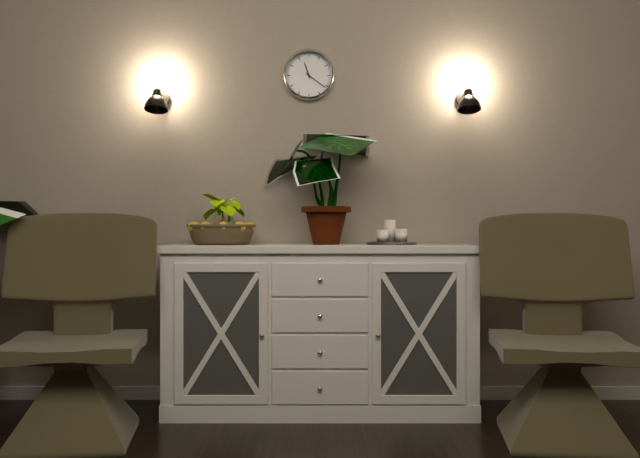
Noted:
11,21
